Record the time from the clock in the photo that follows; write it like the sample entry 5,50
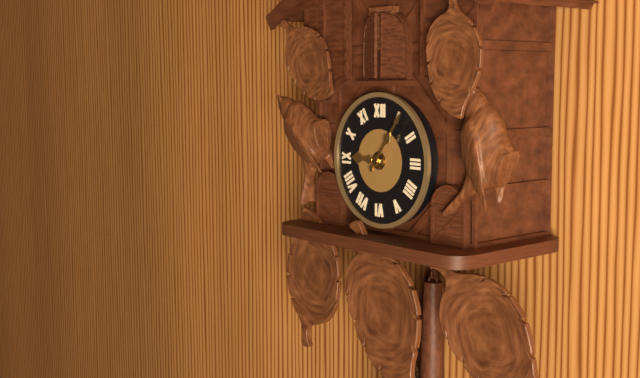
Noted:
9,06
